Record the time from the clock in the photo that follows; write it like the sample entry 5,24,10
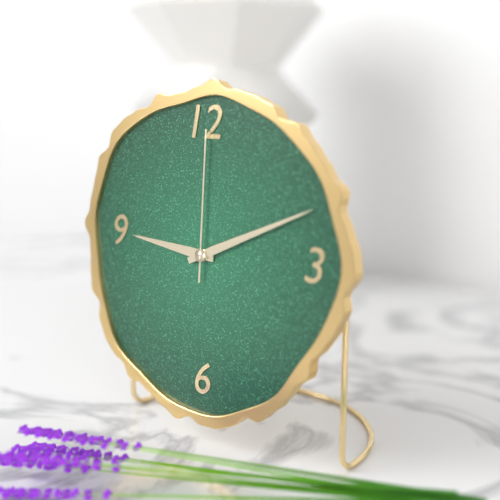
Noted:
9,11,00
